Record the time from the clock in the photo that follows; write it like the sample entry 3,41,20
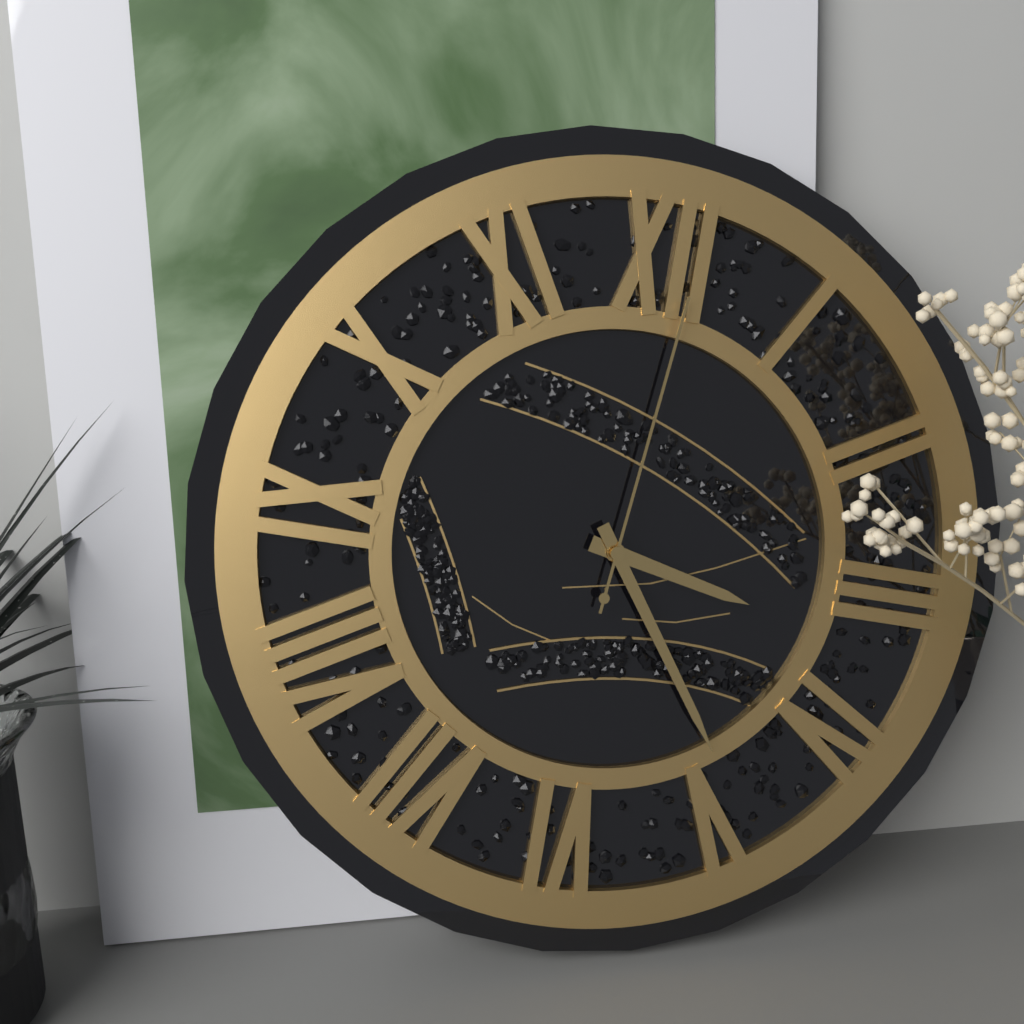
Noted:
3,24,01
